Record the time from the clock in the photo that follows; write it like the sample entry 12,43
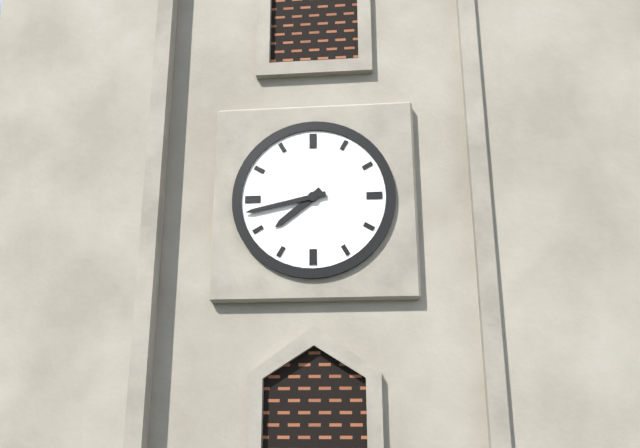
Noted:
7,43
